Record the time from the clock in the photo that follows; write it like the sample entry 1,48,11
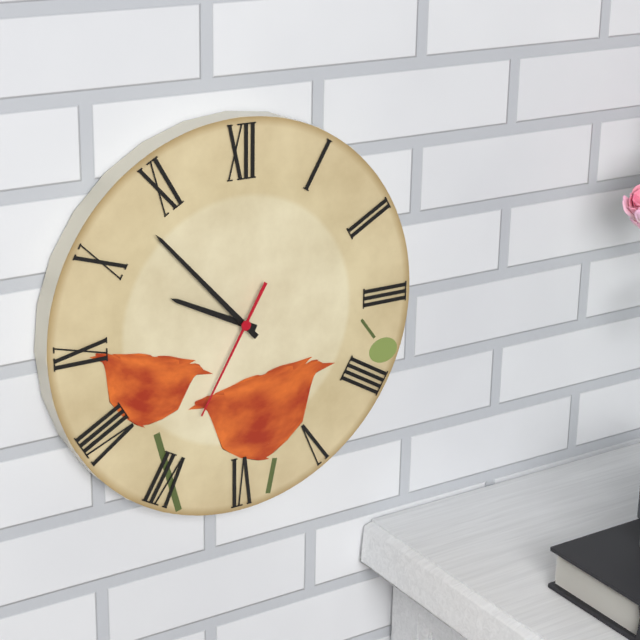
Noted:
9,53,35
